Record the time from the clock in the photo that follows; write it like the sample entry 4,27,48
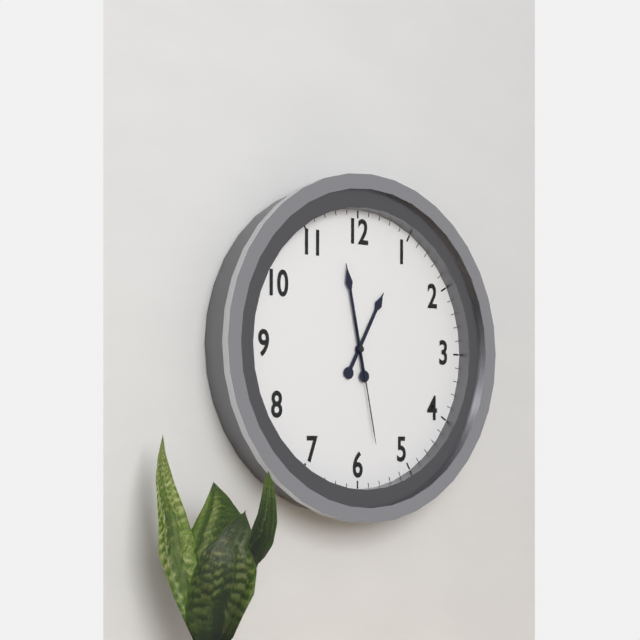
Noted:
12,58,28
